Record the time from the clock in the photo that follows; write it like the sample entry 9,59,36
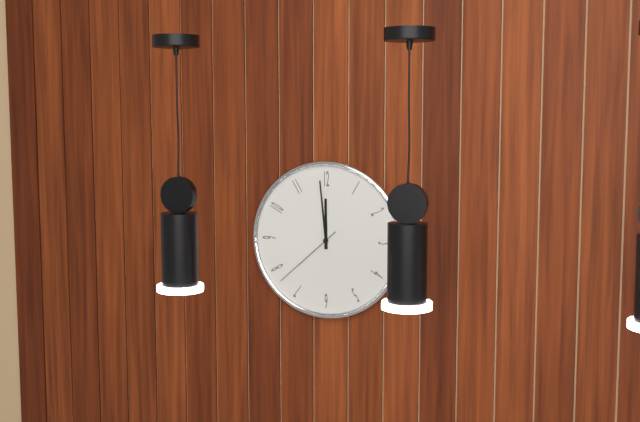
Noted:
11,59,38
